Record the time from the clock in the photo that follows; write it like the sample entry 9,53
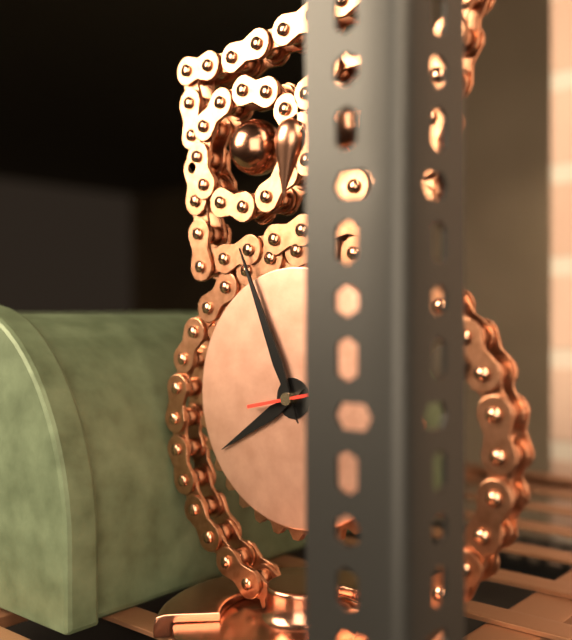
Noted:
7,56
